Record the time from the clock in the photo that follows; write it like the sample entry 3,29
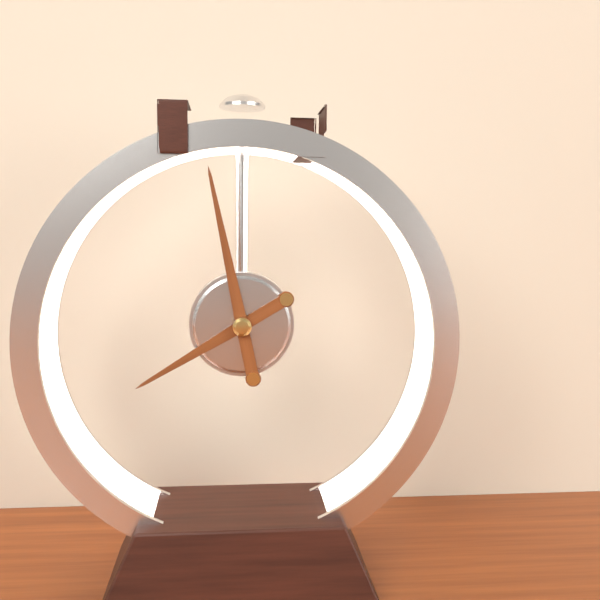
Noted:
7,58
